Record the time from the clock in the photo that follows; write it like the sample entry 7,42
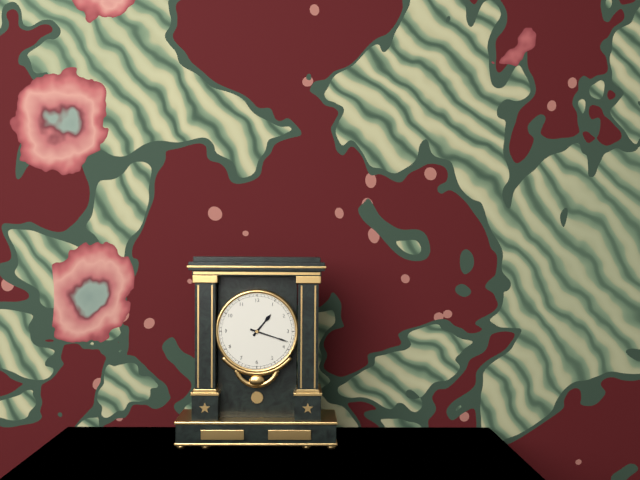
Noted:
1,18
